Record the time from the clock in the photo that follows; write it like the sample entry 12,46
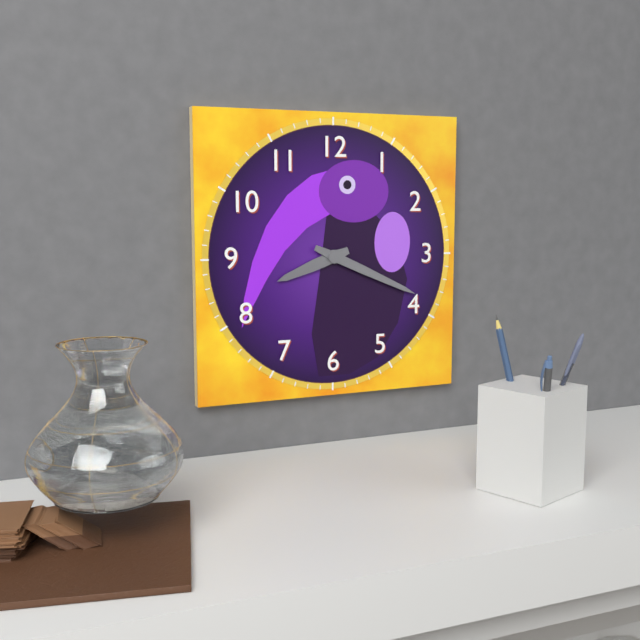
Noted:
8,19
